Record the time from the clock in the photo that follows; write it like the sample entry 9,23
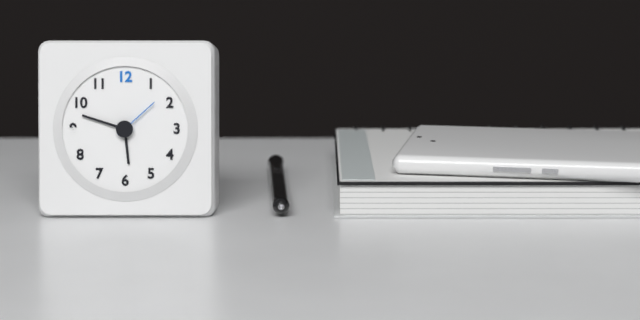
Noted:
5,48
